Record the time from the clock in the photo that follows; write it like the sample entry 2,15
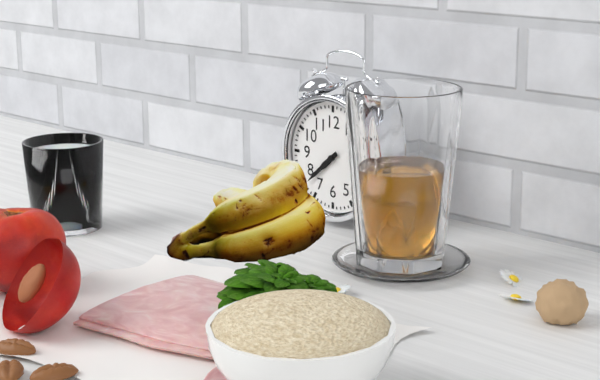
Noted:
7,38
